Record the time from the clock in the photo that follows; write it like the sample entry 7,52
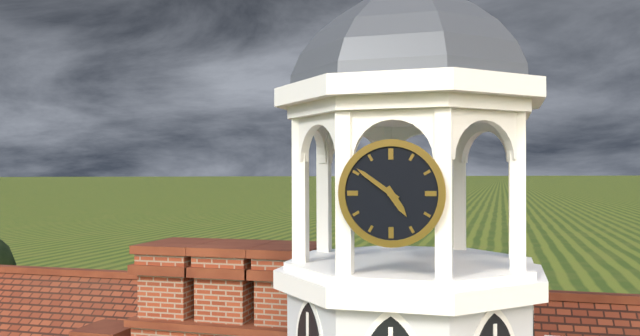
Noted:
4,51
